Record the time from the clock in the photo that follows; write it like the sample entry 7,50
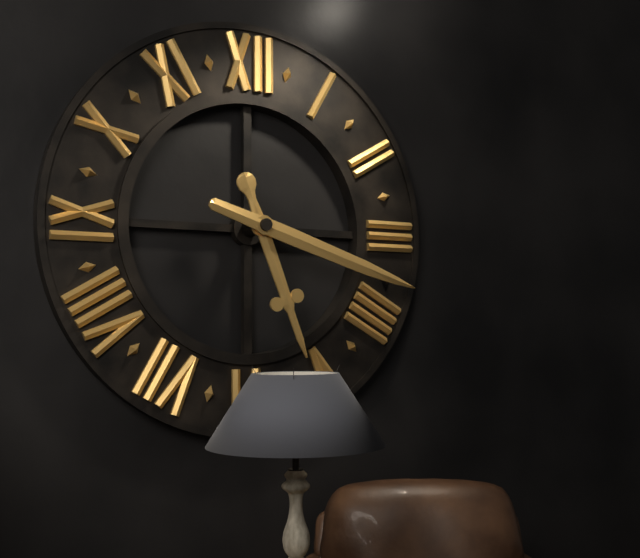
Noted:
5,18
